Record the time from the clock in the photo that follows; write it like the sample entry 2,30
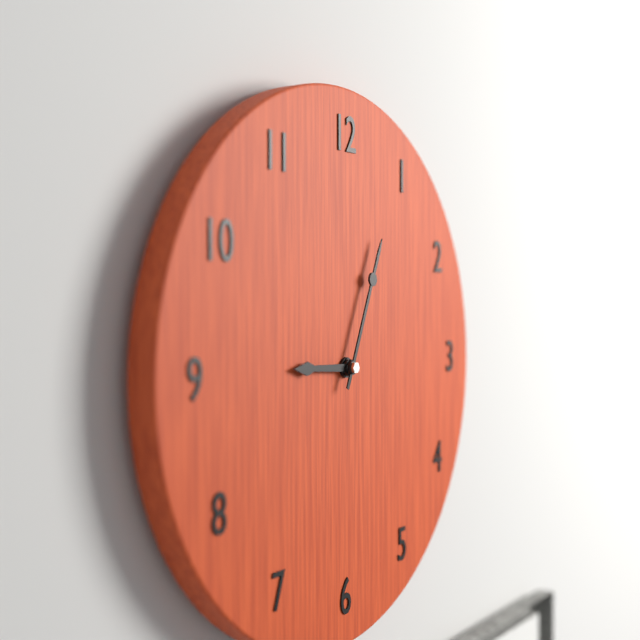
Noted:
9,04
